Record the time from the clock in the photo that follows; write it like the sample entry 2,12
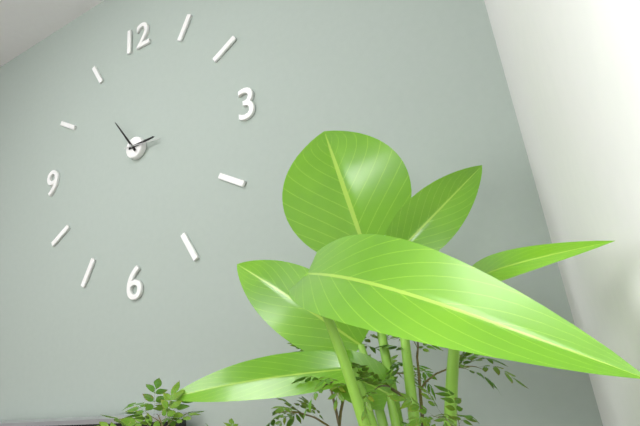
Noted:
2,54
